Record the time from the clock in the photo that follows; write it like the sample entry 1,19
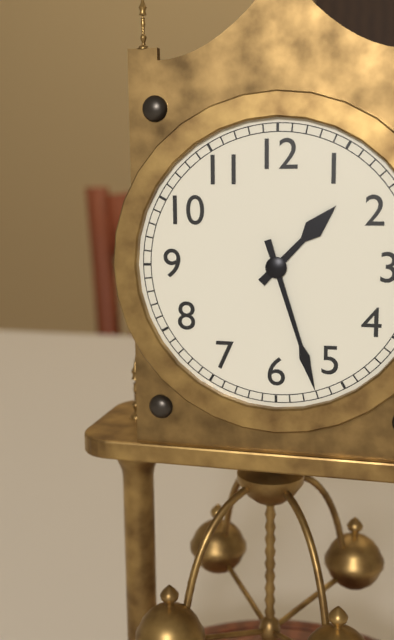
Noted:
1,27
